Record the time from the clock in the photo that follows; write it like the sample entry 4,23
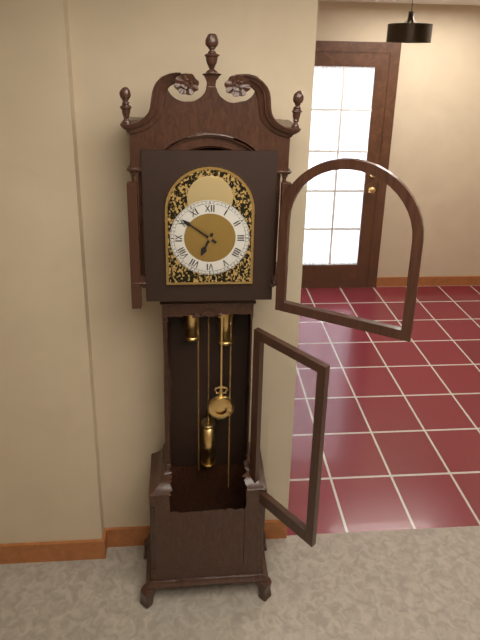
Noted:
6,51
